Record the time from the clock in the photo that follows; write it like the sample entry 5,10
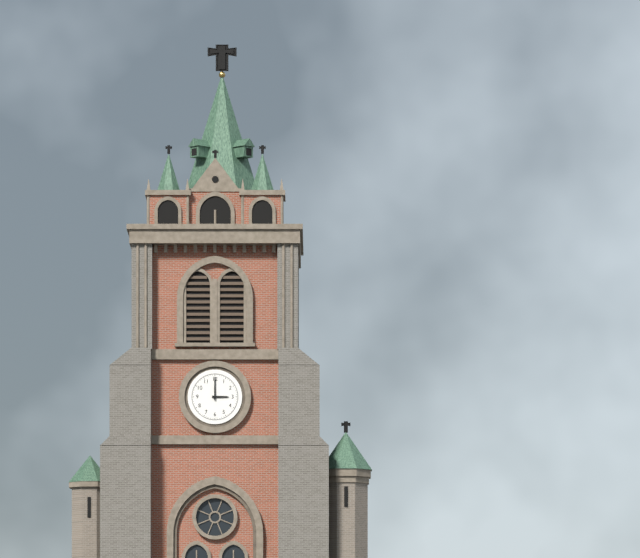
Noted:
3,00
